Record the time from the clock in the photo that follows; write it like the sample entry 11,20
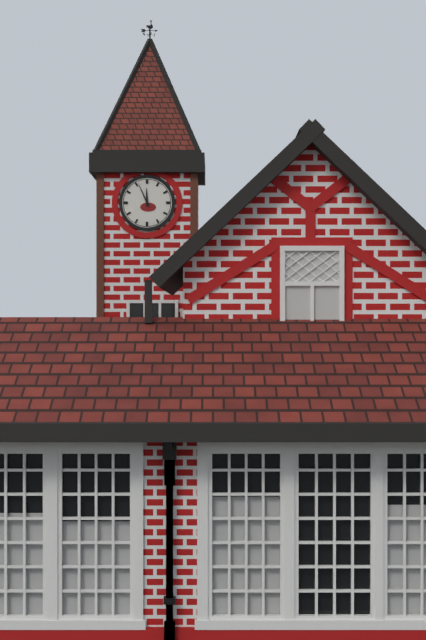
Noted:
11,56
